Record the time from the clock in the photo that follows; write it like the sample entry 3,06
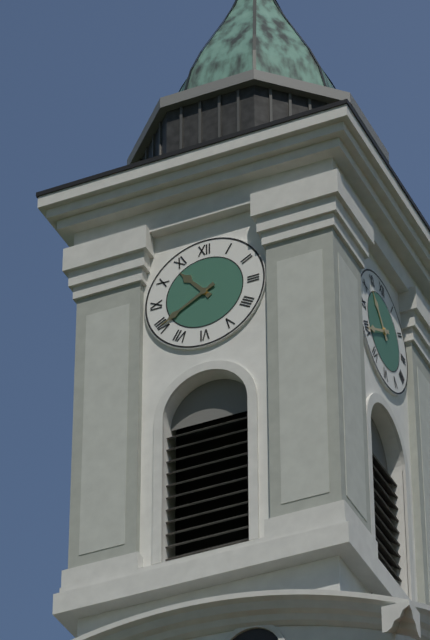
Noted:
10,40
